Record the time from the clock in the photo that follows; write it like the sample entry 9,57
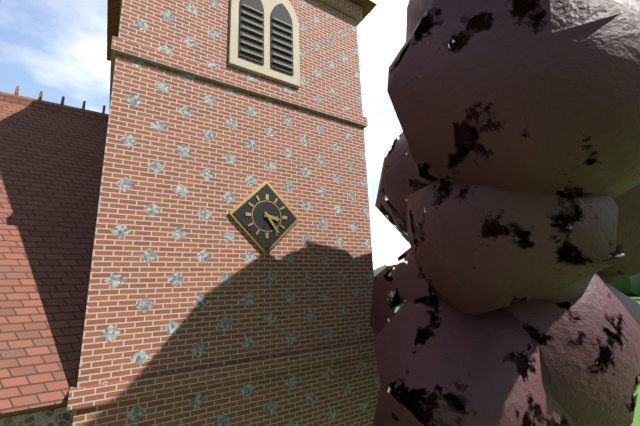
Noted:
3,24
